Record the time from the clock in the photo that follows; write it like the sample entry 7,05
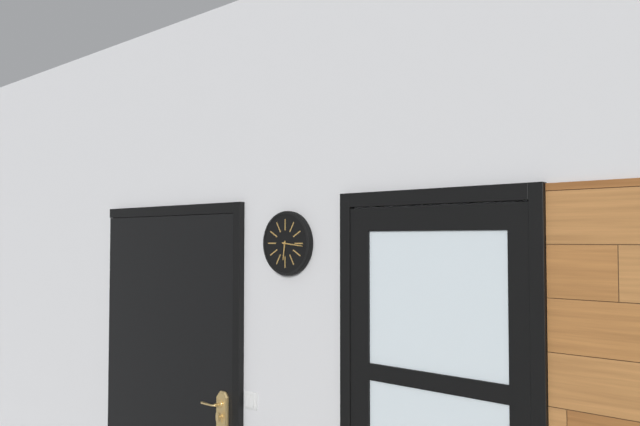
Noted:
6,16
